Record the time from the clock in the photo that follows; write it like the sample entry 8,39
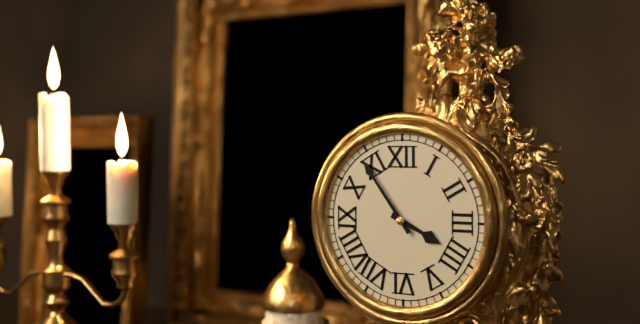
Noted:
3,54
